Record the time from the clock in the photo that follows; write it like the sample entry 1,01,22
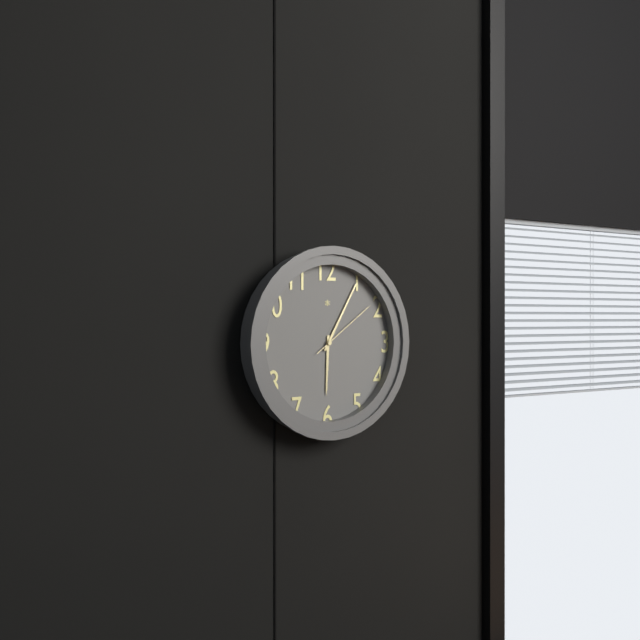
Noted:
6,05,09
